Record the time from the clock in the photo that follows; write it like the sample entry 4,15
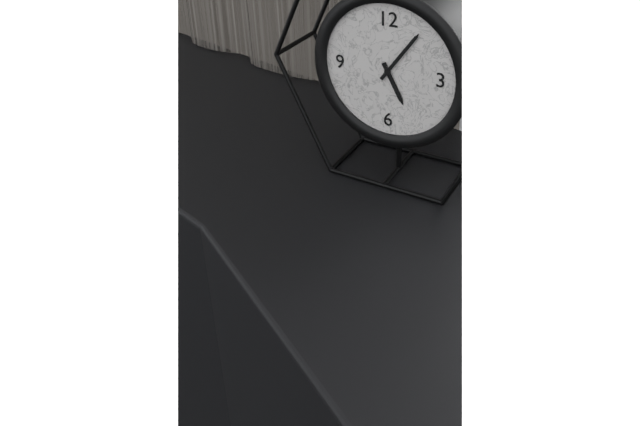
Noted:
5,06
